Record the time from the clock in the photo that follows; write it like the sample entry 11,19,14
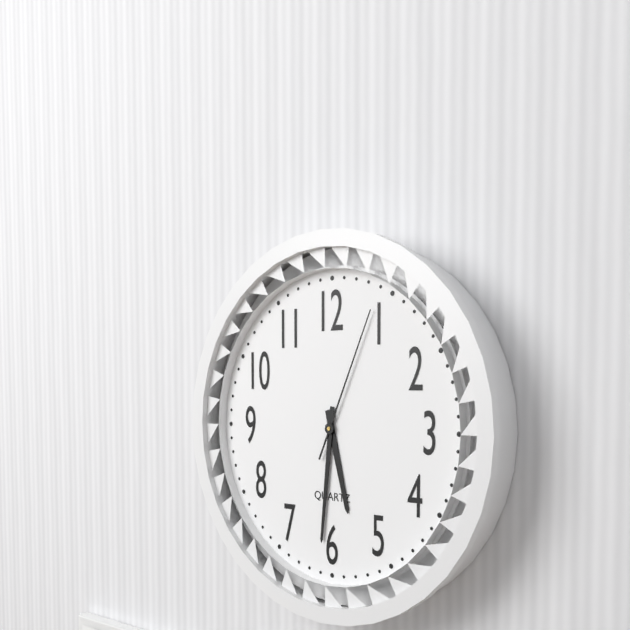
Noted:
5,31,04
